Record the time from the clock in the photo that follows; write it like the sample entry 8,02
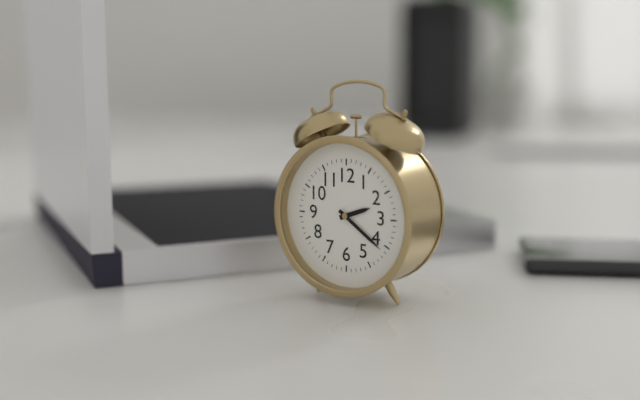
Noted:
2,21
